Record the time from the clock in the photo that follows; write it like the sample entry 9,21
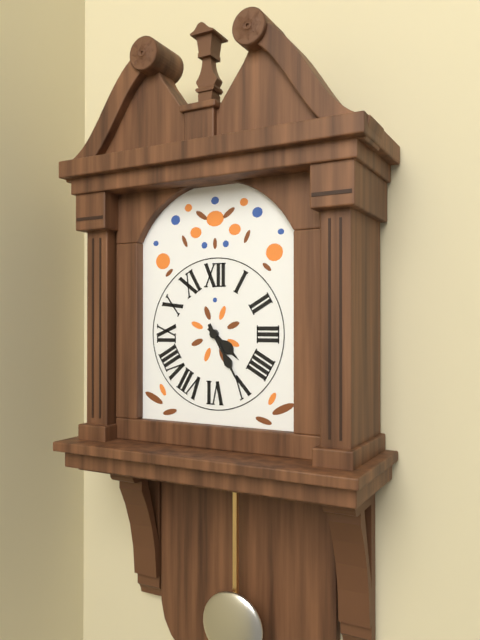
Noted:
4,25
